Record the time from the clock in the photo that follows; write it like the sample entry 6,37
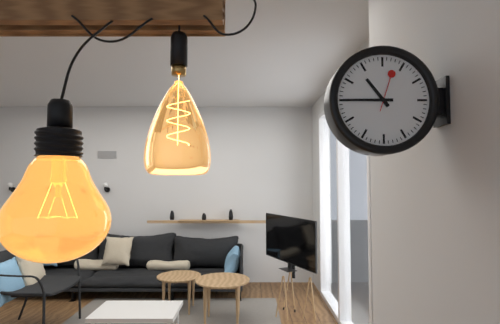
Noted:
10,45
